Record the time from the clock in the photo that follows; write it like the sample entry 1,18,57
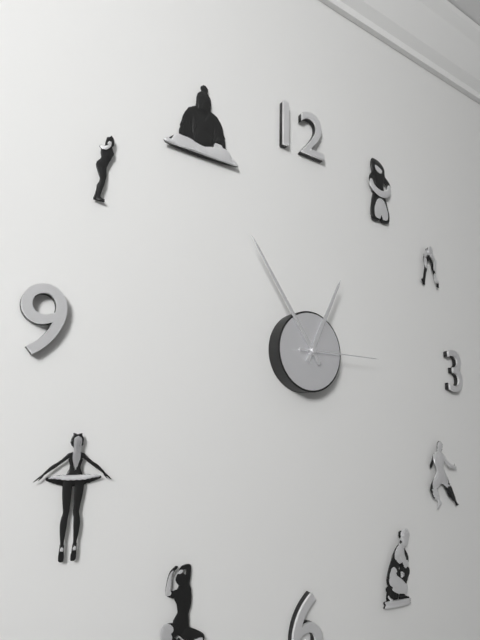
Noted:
12,54,15
